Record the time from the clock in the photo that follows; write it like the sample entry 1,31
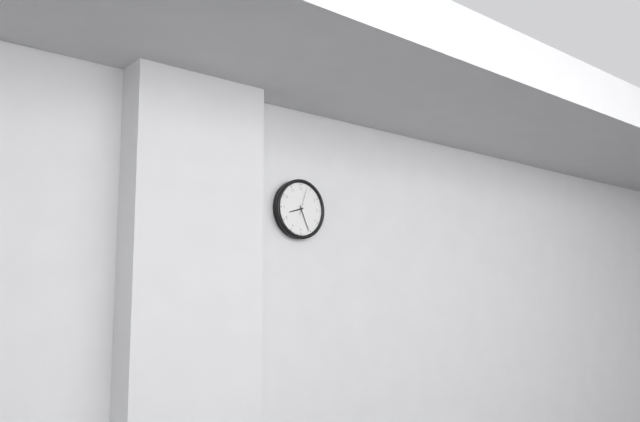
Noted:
8,26
